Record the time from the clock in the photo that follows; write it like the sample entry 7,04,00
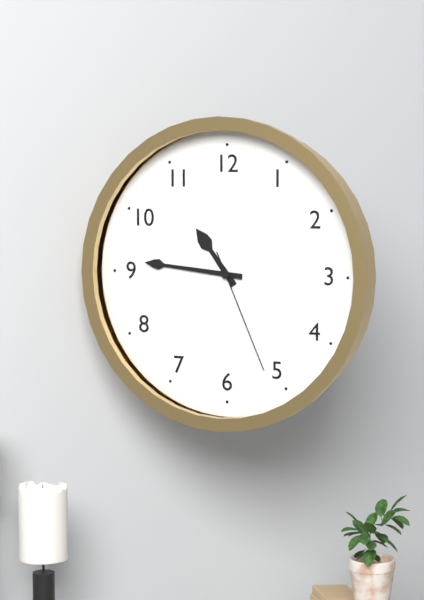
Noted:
10,46,26
